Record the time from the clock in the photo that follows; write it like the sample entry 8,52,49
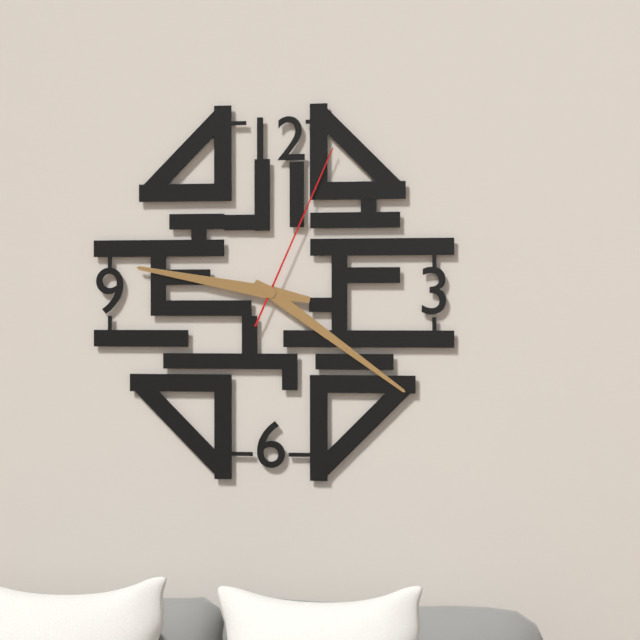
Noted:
9,21,04
